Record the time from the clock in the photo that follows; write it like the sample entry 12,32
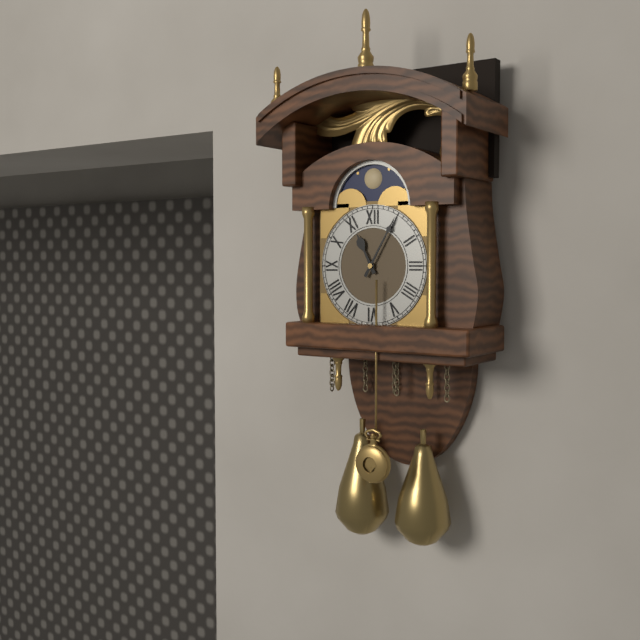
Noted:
11,05
